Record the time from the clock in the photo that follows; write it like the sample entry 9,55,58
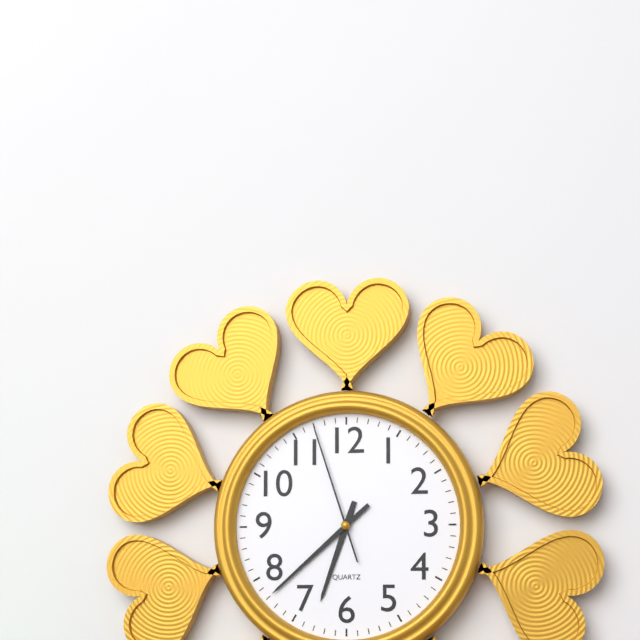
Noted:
6,38,57
